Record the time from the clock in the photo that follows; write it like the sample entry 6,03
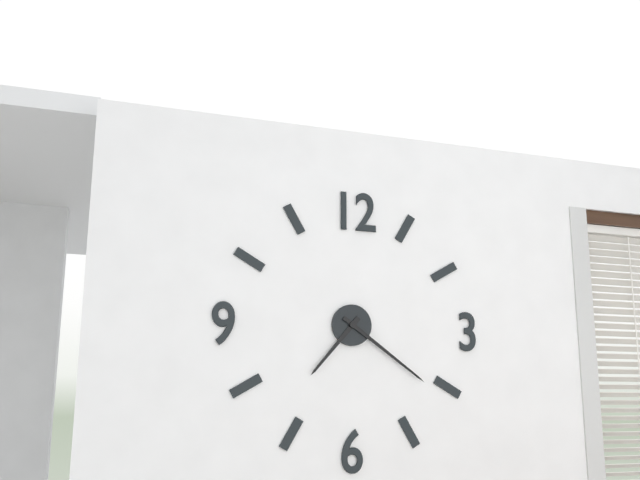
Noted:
7,21
